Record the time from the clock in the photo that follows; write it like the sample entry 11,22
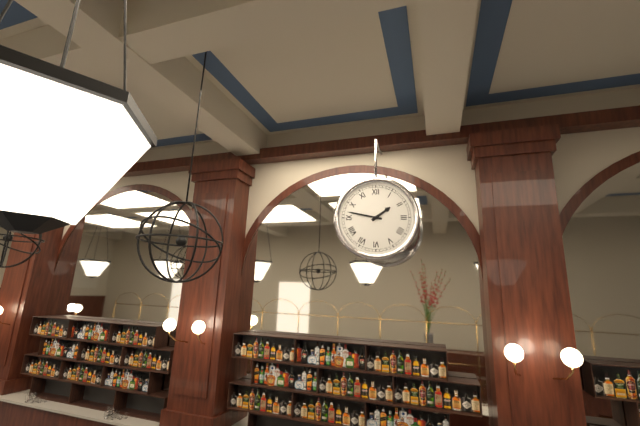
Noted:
1,47
